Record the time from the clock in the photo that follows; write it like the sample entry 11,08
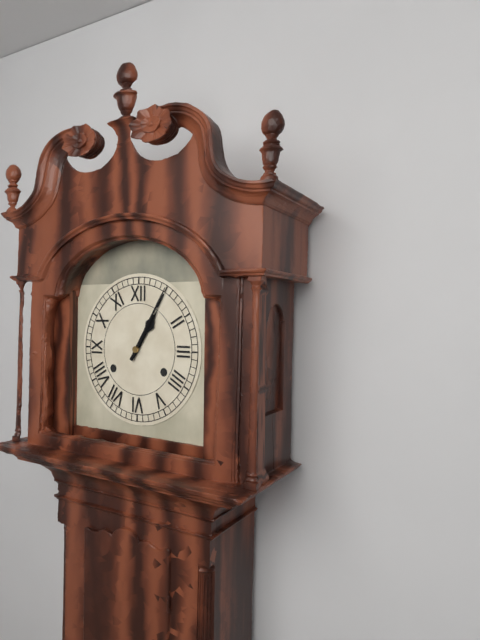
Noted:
1,05
